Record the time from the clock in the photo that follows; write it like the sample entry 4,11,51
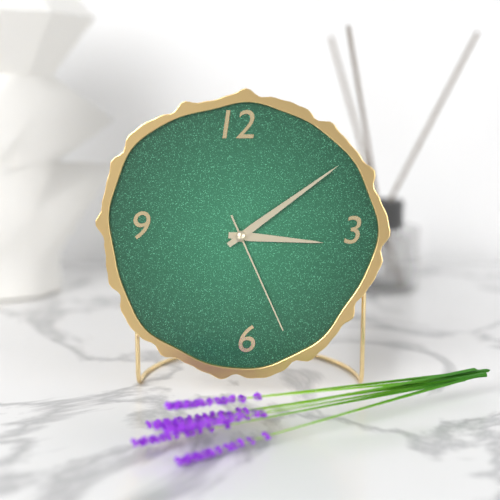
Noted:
3,09,26
